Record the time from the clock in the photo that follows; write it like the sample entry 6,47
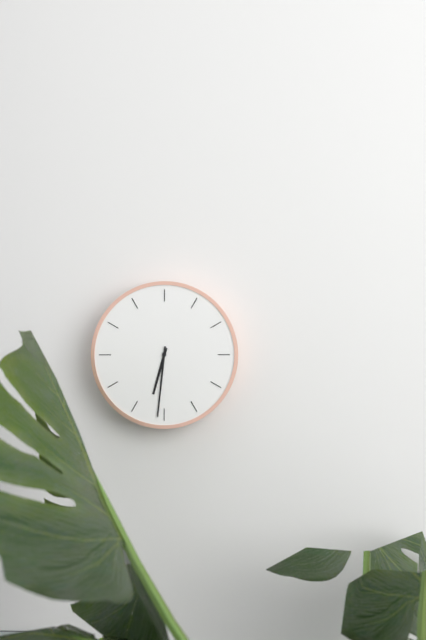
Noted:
6,31
